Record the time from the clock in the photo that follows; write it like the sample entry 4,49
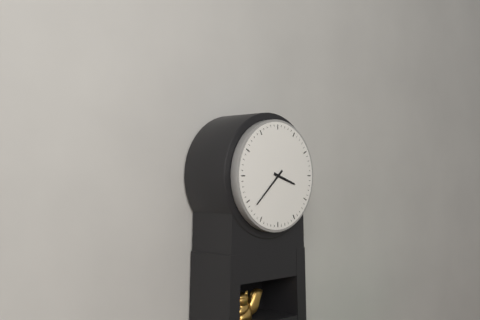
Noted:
3,38
